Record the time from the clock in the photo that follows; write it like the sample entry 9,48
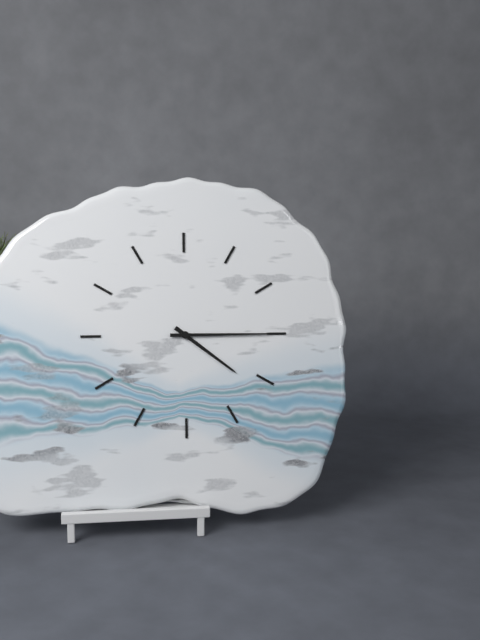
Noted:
4,15
